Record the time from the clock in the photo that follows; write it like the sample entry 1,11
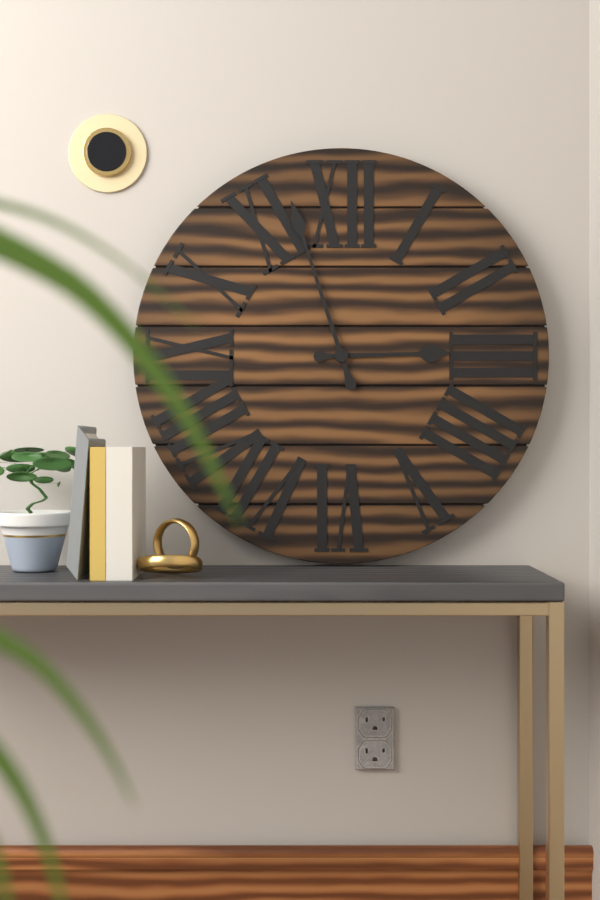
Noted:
2,57
